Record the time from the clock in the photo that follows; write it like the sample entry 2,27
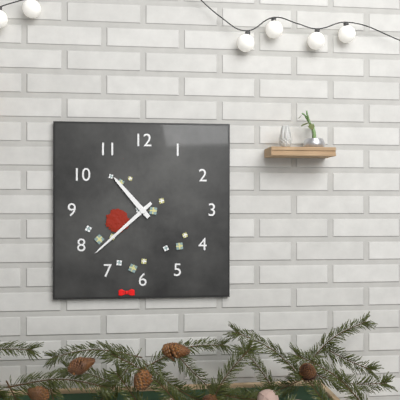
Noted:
10,38
